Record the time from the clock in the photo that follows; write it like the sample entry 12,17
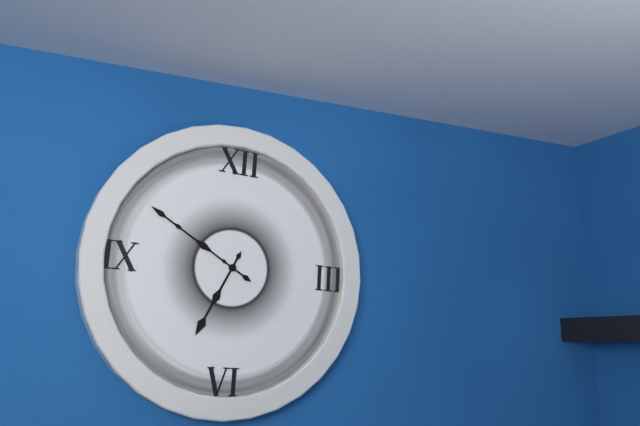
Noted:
6,50
